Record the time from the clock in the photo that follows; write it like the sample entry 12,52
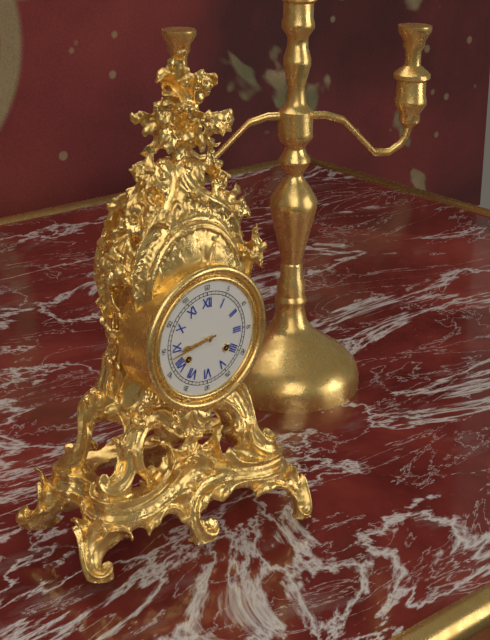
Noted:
8,43
